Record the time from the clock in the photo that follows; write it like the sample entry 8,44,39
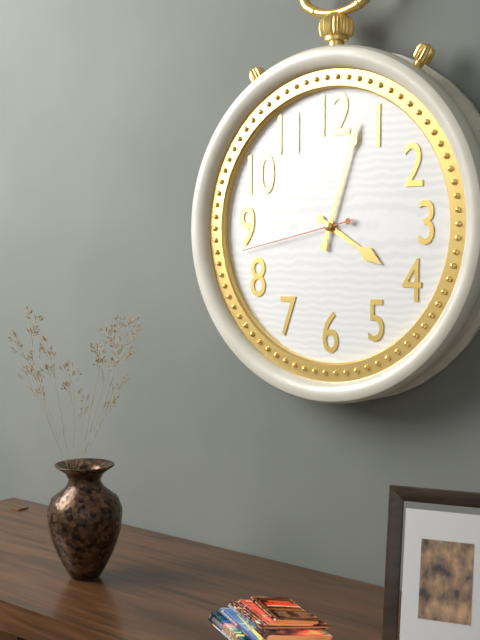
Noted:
4,03,43
